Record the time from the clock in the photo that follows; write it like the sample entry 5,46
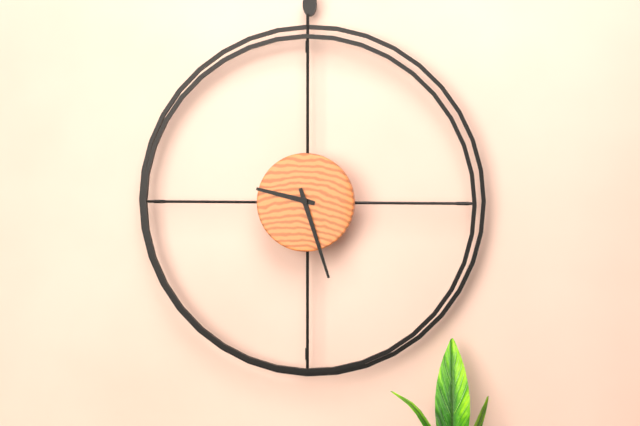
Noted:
9,27
